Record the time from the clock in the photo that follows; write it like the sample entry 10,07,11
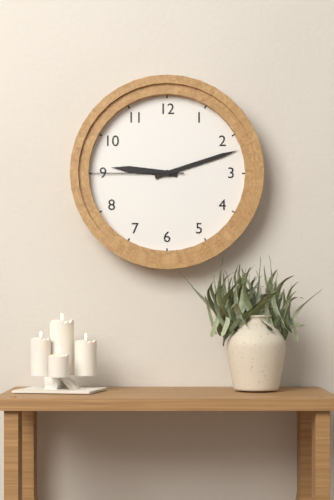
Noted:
9,12,45
